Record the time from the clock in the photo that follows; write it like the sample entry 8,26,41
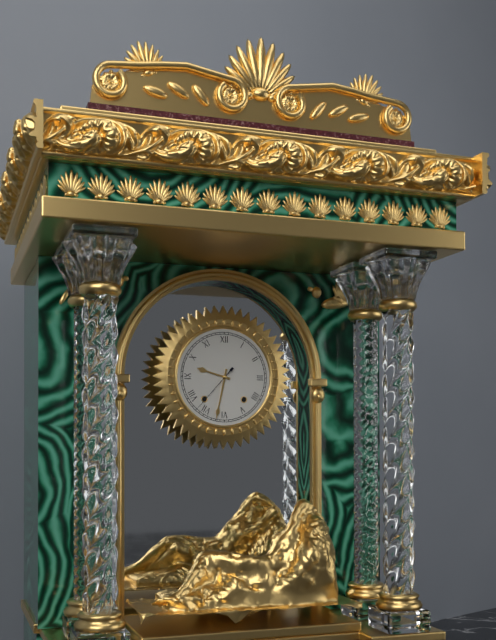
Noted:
9,32,37
